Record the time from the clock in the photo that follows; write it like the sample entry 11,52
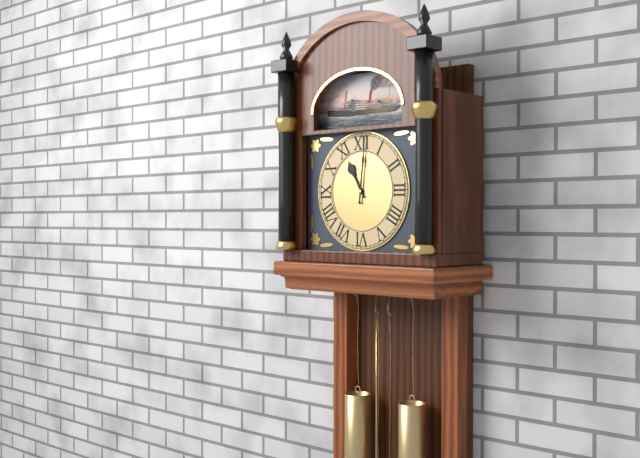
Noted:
11,01
